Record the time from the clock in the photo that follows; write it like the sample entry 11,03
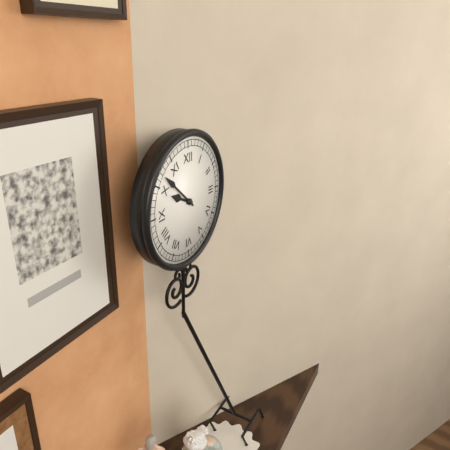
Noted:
9,52
